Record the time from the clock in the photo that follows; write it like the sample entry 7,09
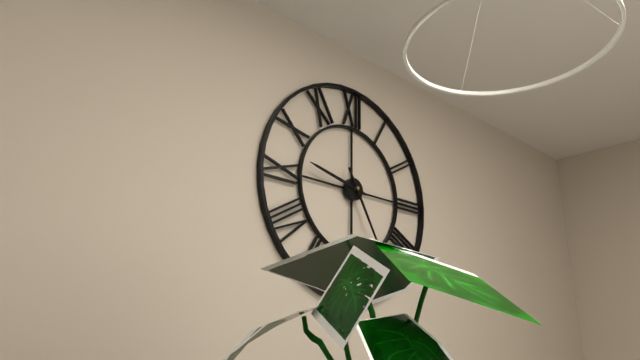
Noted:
9,25
